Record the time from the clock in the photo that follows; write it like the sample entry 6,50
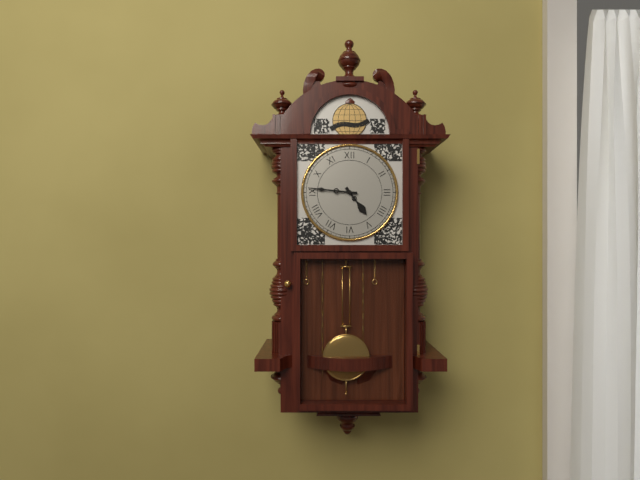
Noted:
4,46
